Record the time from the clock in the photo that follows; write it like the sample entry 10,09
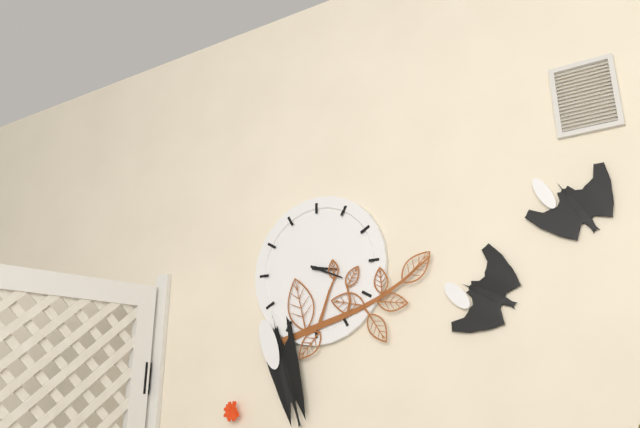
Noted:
3,19
